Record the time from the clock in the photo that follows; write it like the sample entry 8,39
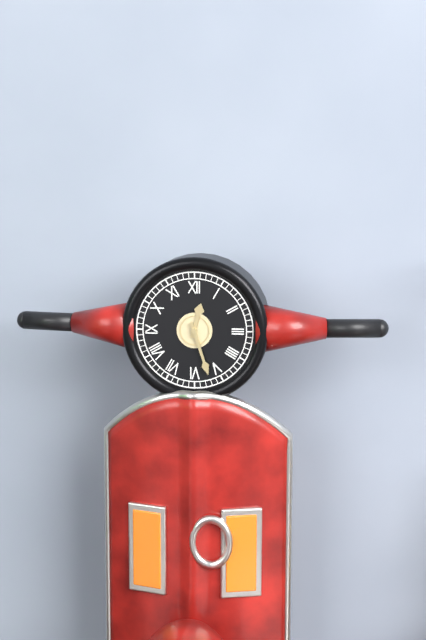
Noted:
12,27
